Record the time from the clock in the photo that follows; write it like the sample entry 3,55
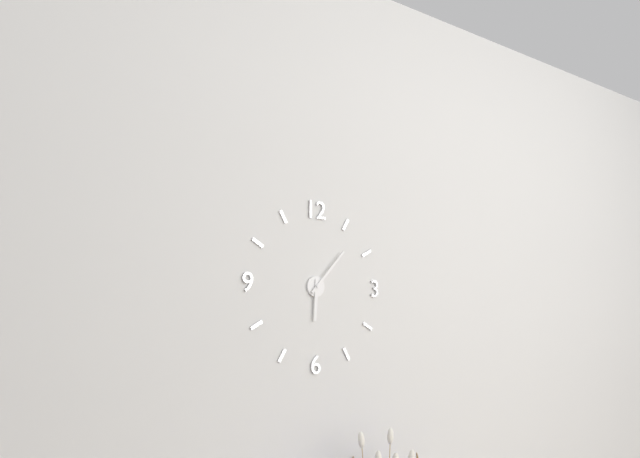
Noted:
6,07
